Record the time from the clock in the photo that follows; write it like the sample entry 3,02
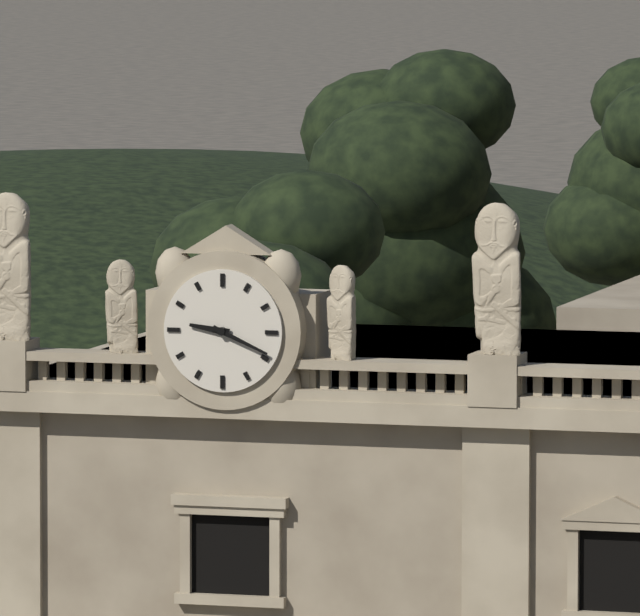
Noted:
9,19
